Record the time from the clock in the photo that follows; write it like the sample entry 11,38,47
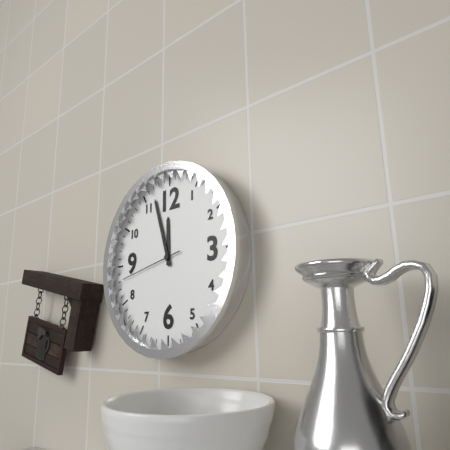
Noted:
11,57,43
